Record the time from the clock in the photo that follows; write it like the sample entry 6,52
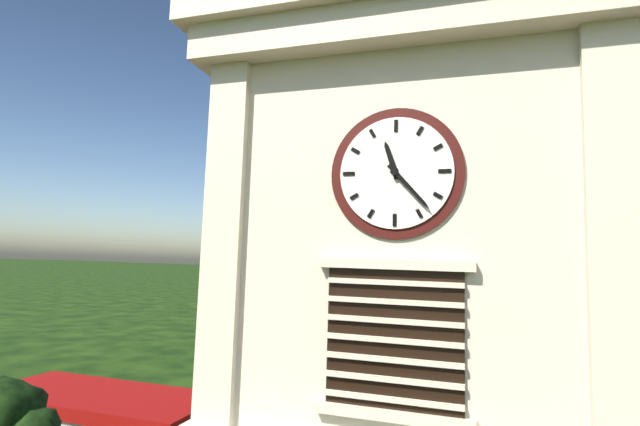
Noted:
11,23
